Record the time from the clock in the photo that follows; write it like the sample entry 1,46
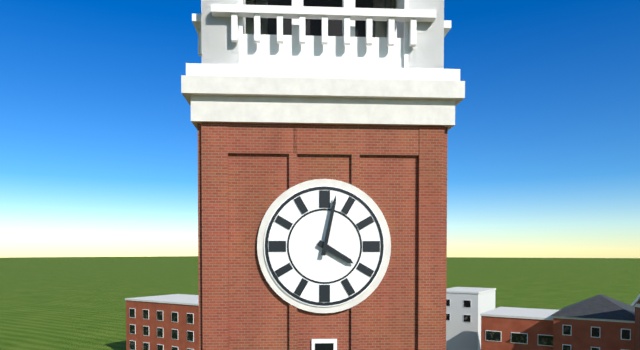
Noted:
4,02
